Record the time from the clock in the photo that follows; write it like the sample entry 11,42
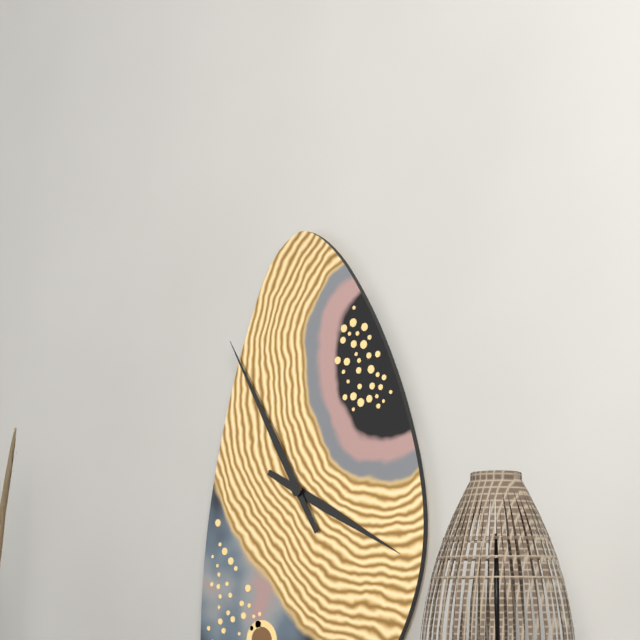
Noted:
3,55
